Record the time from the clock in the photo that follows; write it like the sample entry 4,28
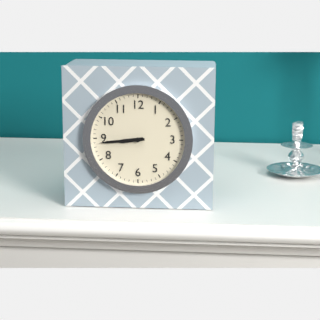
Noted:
8,44
